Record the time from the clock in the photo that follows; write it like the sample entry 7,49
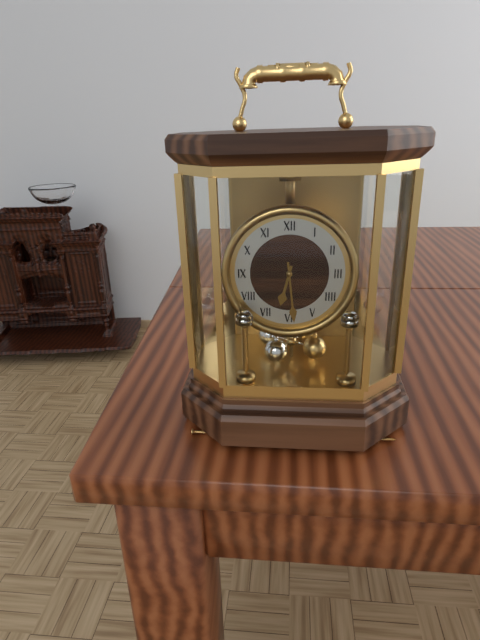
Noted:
6,29
